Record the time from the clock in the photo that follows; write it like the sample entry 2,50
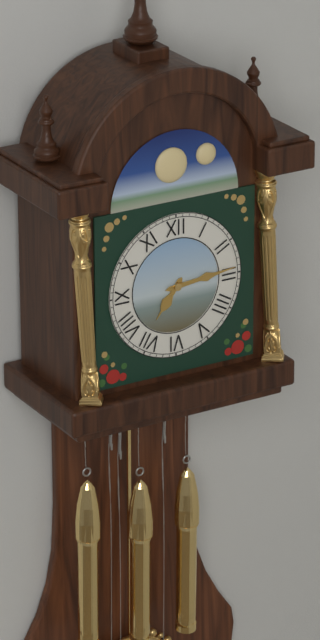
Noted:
7,14
